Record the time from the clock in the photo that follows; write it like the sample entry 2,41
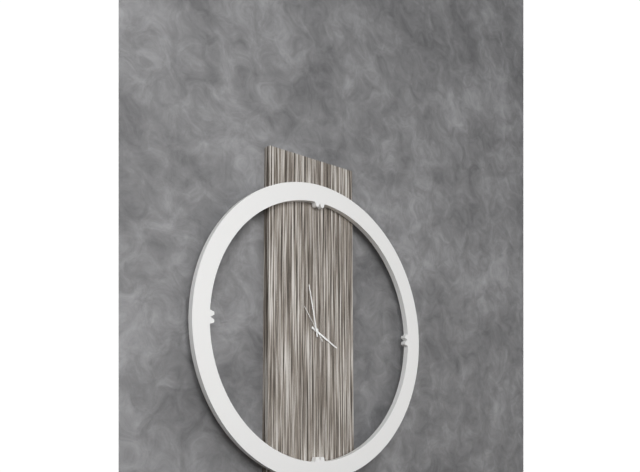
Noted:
3,58
